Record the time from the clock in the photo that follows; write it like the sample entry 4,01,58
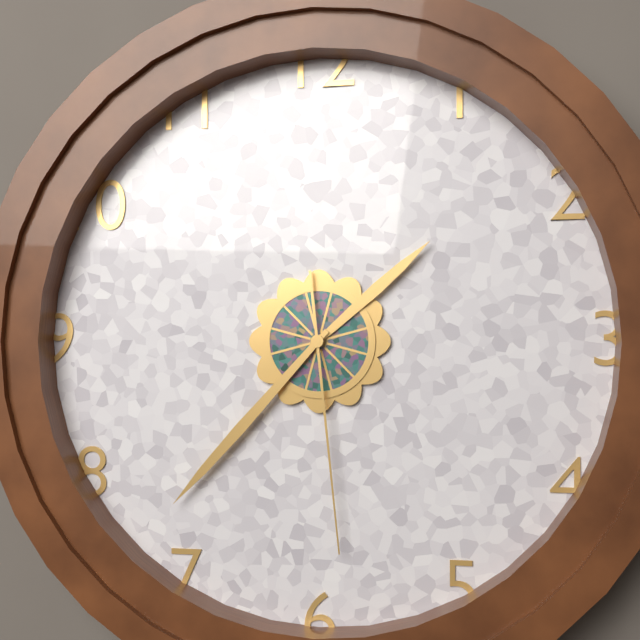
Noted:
1,37,29
